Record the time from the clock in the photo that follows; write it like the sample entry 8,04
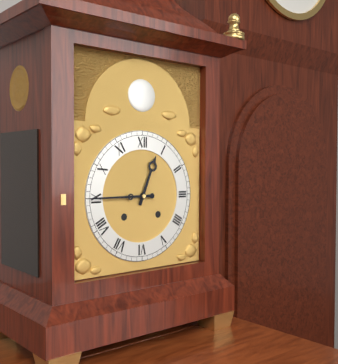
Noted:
12,45
